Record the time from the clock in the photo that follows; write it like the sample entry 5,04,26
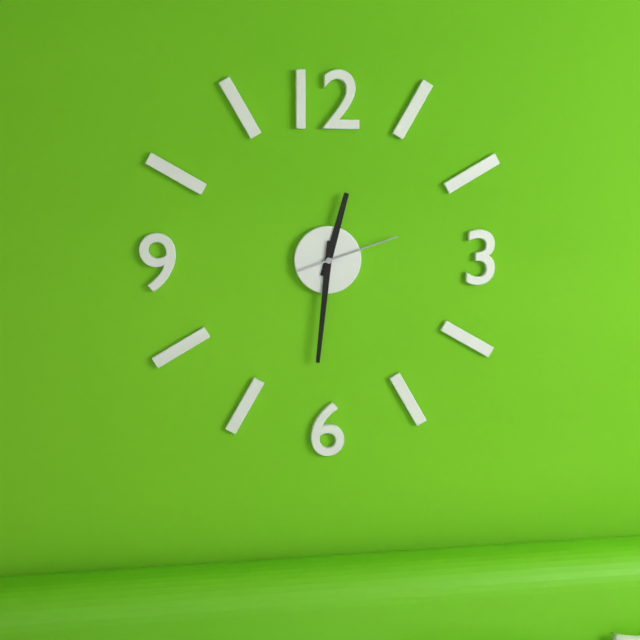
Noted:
12,31,12
